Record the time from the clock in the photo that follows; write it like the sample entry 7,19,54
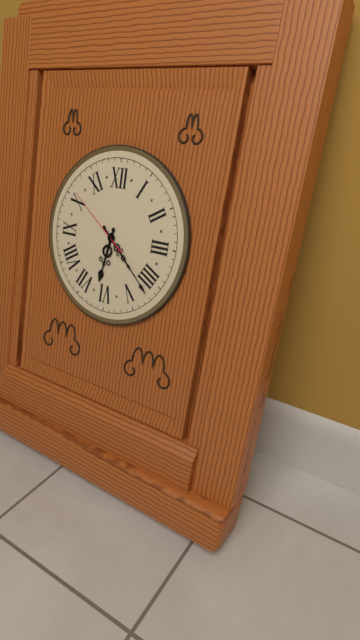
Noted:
6,22,51
